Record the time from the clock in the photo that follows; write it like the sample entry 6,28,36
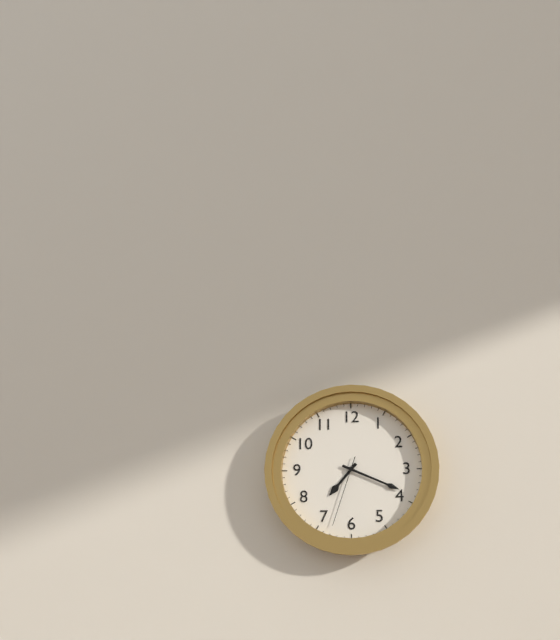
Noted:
7,19,33
